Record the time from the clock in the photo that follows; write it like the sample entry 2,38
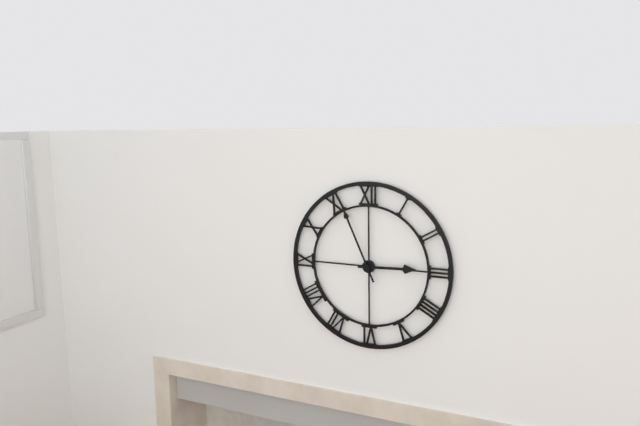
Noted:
2,56
